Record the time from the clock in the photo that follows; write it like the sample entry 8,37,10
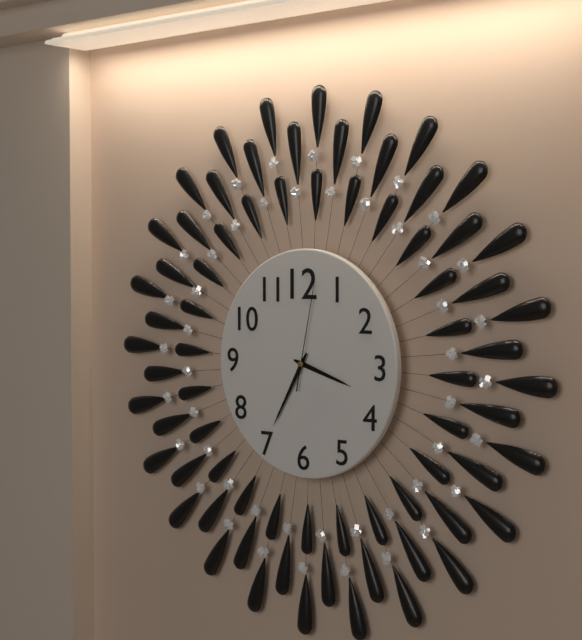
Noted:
3,35,02
